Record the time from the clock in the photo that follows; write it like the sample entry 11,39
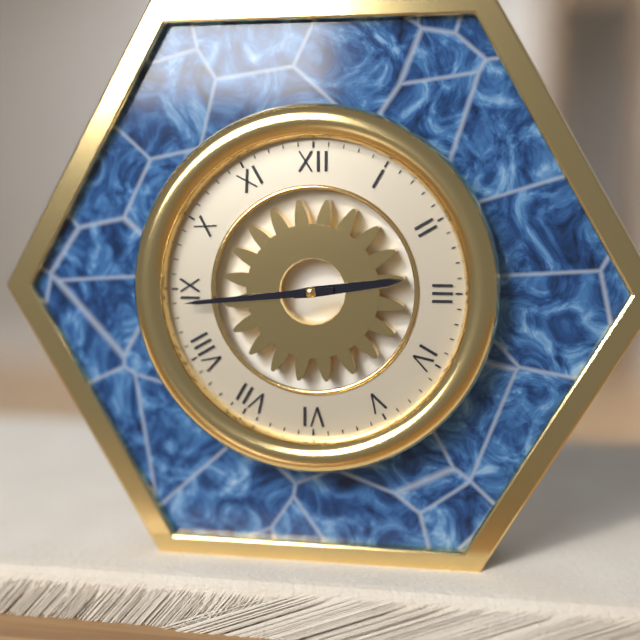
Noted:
2,44
